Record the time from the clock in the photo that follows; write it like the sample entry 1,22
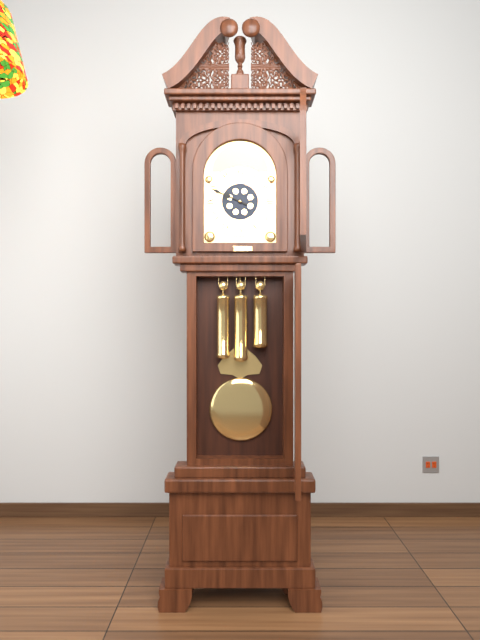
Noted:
9,49
